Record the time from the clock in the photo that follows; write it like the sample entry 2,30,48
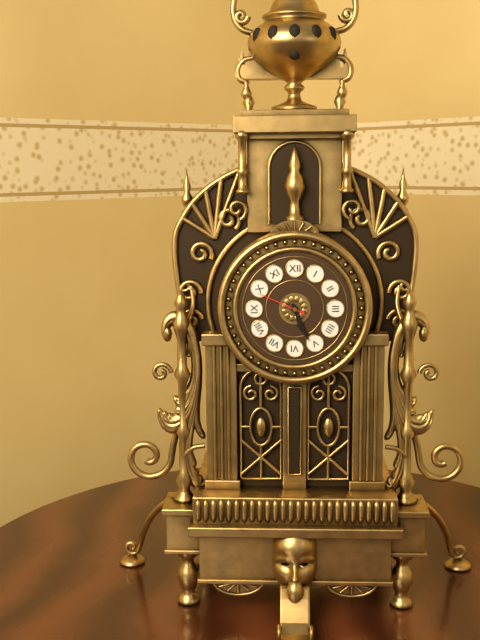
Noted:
5,26,49
